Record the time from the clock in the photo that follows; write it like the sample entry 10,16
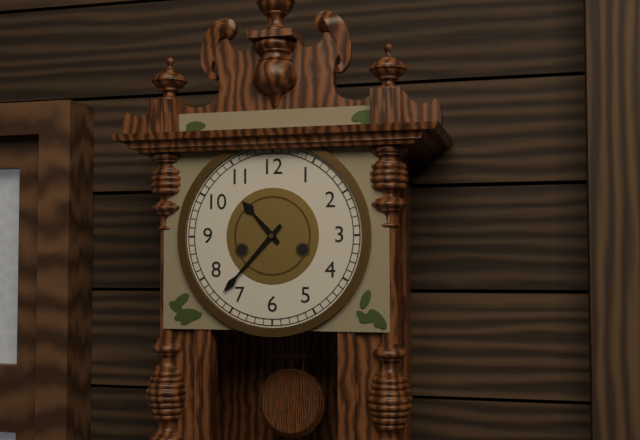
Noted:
10,37
